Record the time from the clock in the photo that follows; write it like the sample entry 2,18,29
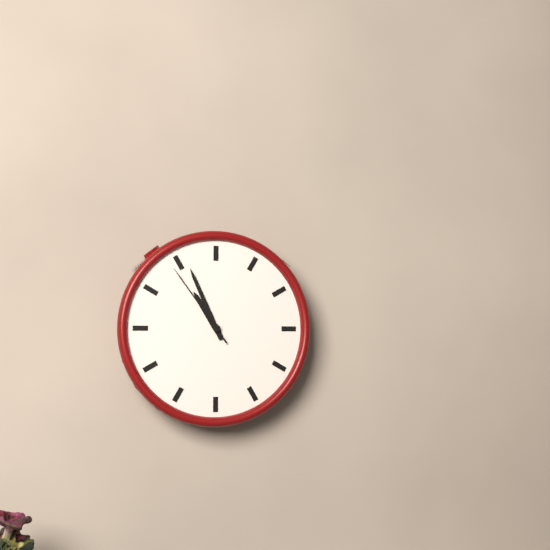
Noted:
10,56,54
